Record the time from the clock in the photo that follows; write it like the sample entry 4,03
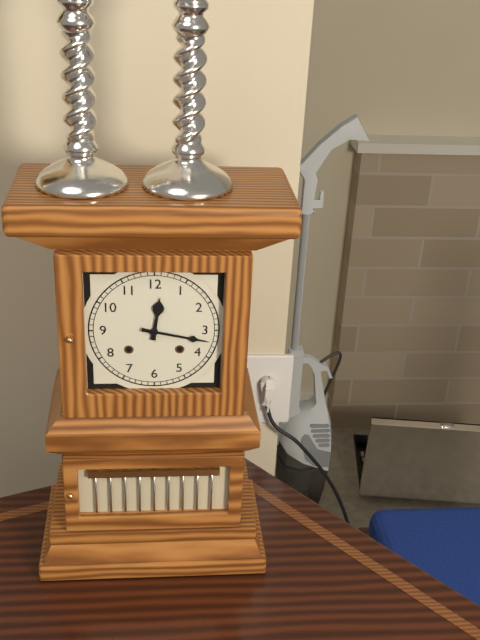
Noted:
12,17
